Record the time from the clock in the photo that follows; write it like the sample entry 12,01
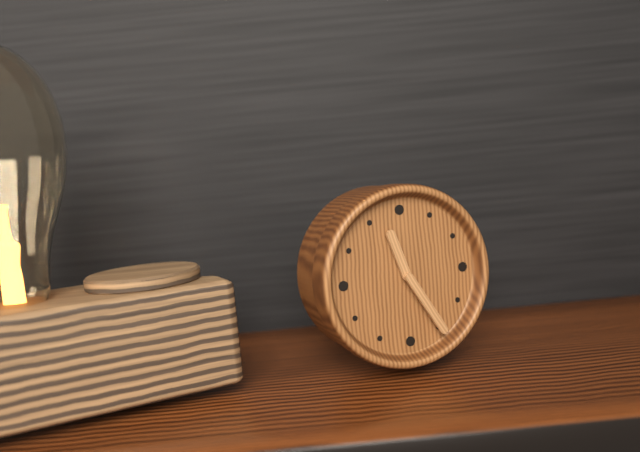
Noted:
11,25
